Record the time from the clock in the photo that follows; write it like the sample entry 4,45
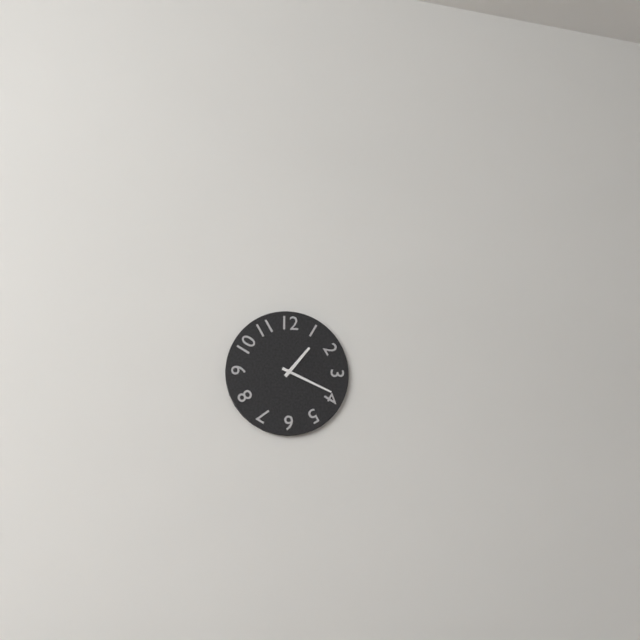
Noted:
1,19
